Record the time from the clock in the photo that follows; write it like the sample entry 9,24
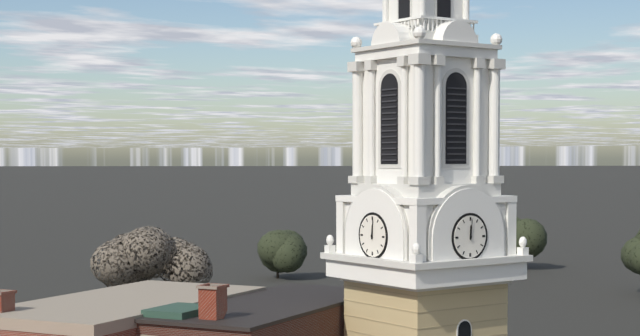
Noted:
12,01
